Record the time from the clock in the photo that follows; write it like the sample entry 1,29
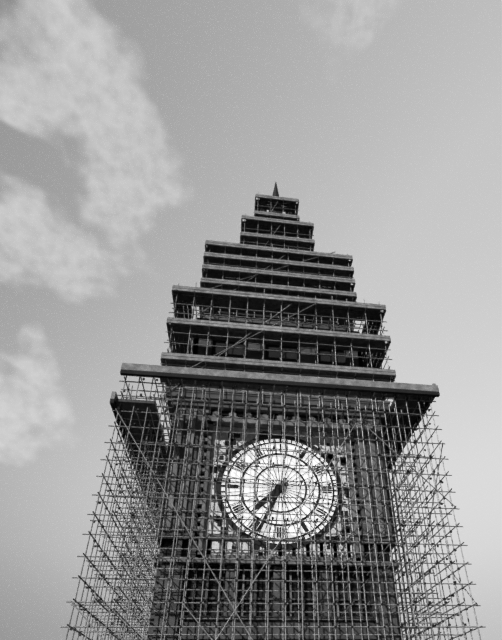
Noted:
7,34
